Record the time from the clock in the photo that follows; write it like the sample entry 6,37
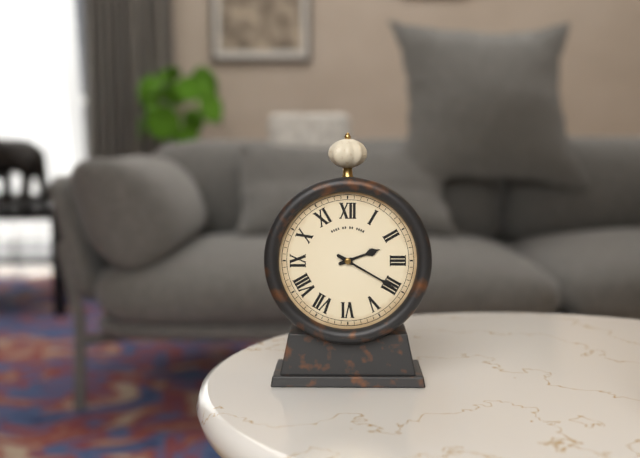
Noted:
2,20
